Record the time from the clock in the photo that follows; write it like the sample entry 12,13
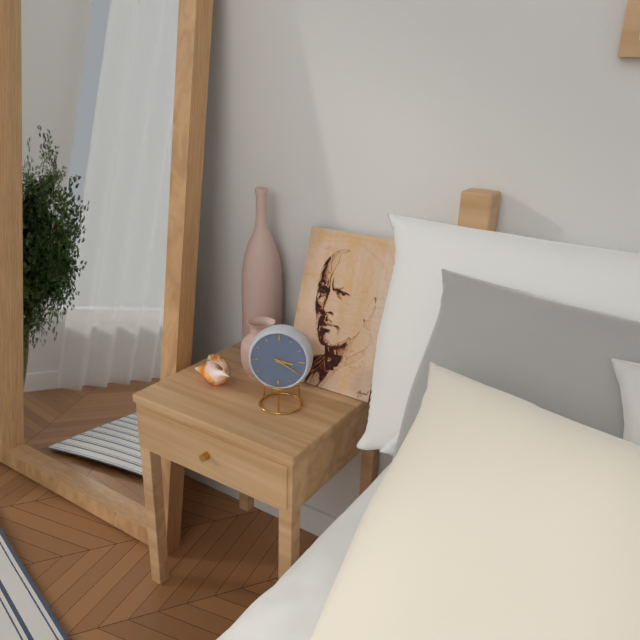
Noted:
3,20
